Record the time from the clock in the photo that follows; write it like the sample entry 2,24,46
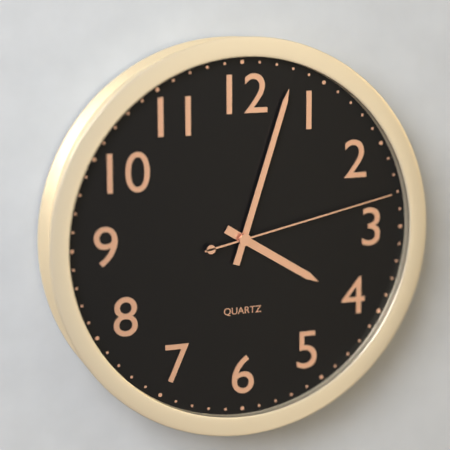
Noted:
4,03,13
